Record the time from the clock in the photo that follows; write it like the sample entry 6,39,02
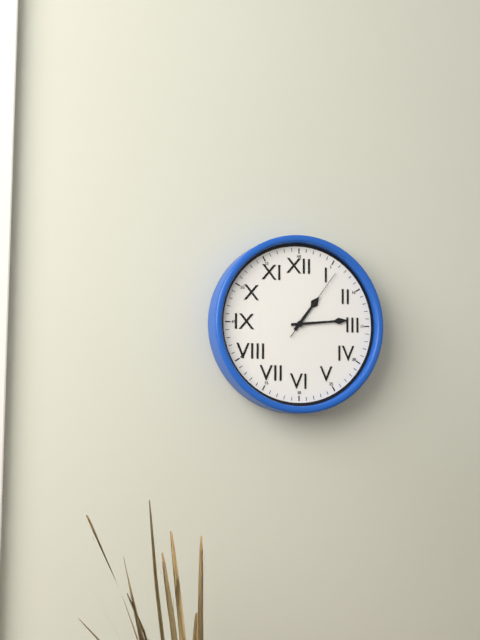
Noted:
1,14,06
